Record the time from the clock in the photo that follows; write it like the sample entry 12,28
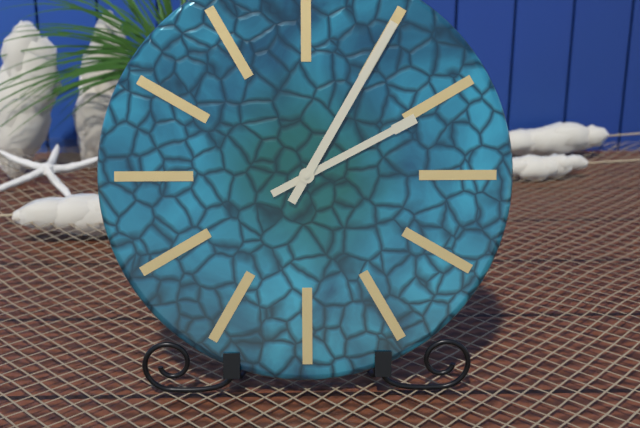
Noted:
2,05
